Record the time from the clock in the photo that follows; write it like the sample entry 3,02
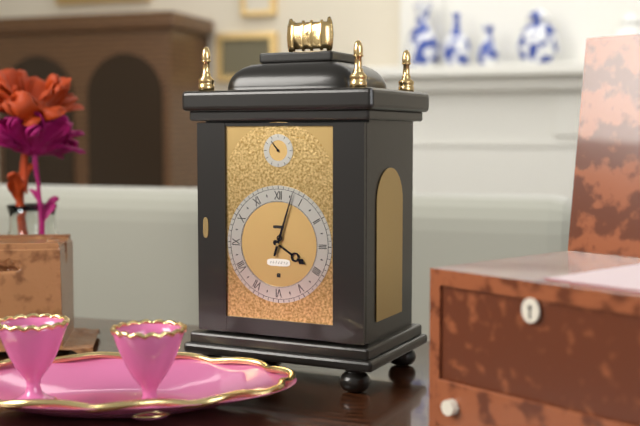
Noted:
4,03
